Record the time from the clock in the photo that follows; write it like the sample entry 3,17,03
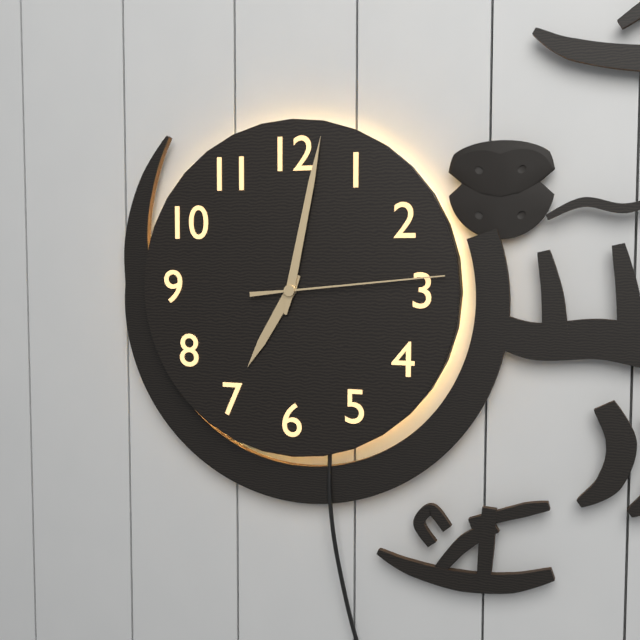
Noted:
7,02,14
